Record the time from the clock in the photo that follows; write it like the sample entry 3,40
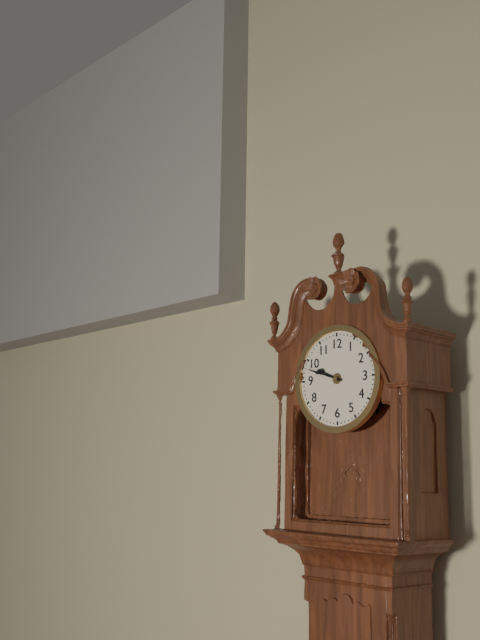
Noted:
9,48
